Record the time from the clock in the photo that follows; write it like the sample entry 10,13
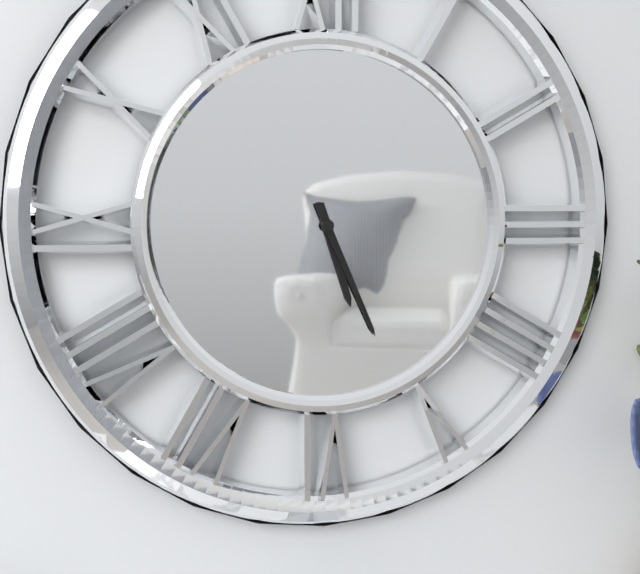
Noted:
5,26
